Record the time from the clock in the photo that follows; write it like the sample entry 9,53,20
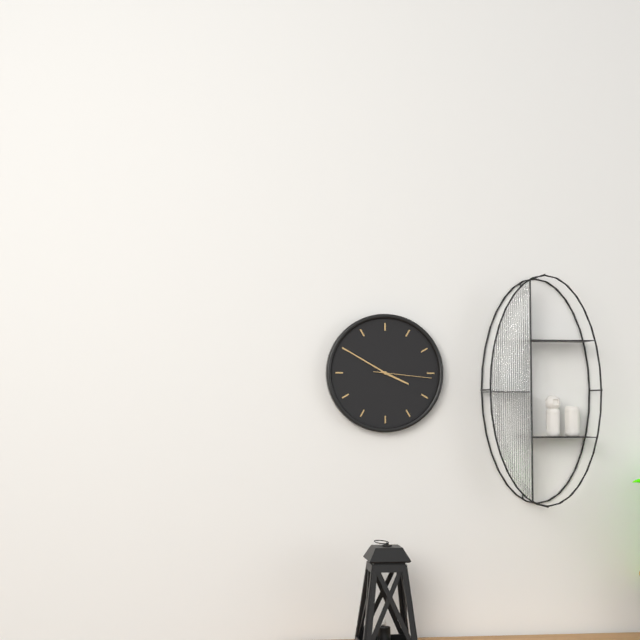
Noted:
3,50,16
